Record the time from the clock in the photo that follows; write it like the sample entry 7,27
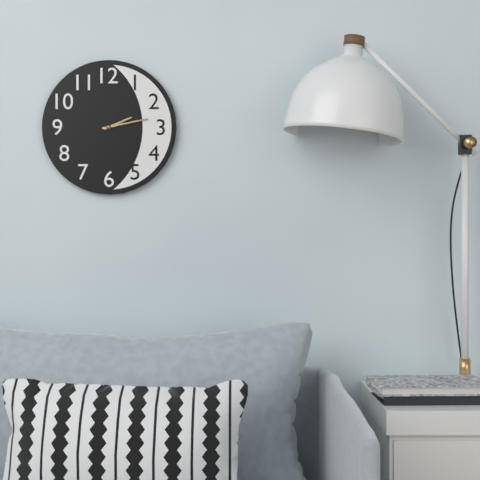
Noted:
2,13
